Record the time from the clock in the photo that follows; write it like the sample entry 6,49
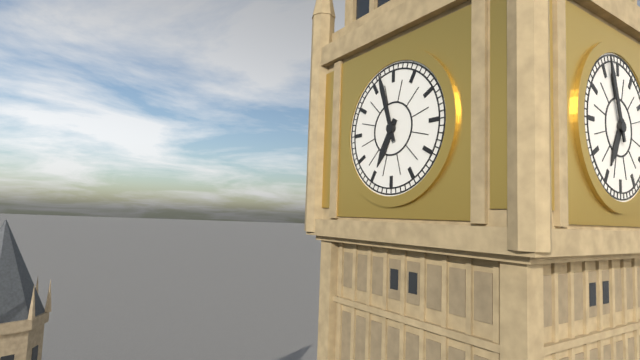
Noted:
6,57
